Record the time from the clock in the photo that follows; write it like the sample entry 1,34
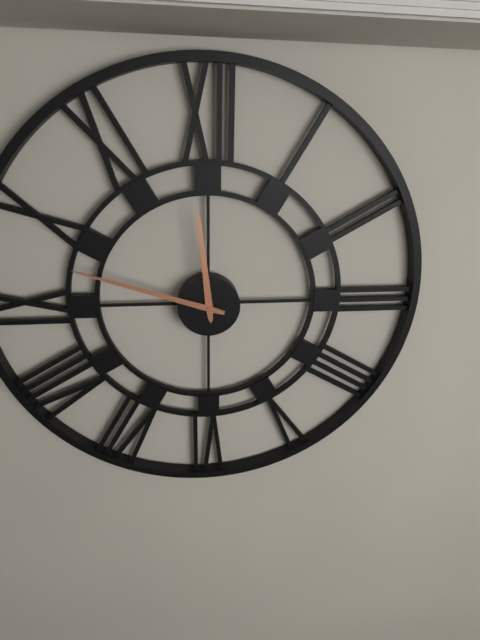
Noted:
11,48
